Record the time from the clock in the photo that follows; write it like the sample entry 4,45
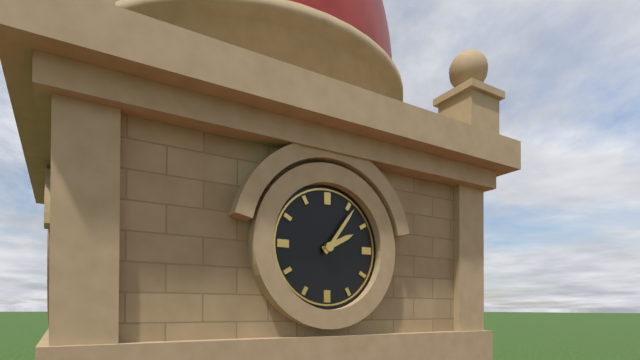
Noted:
2,06
